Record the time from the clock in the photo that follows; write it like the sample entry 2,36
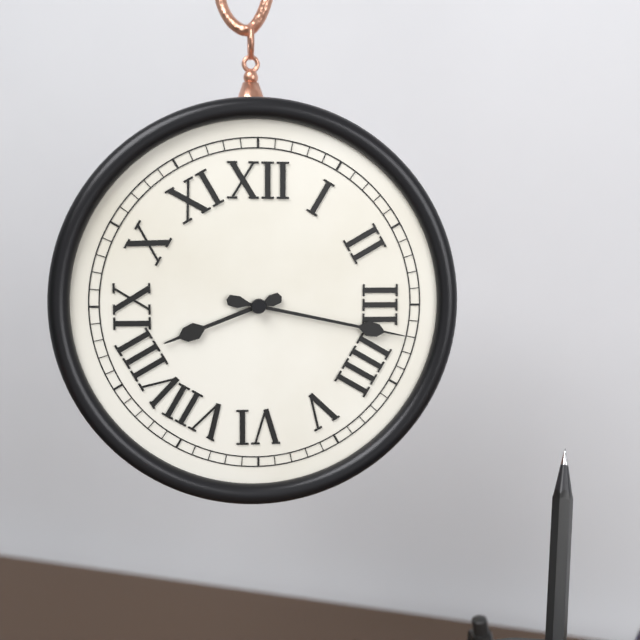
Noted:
8,17
